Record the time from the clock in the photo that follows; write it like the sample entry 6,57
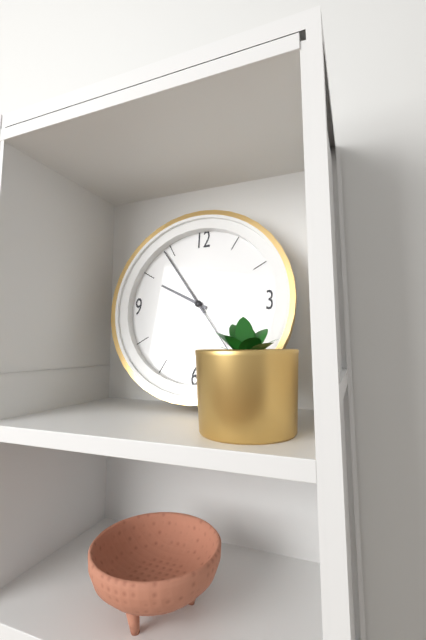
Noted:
9,54
